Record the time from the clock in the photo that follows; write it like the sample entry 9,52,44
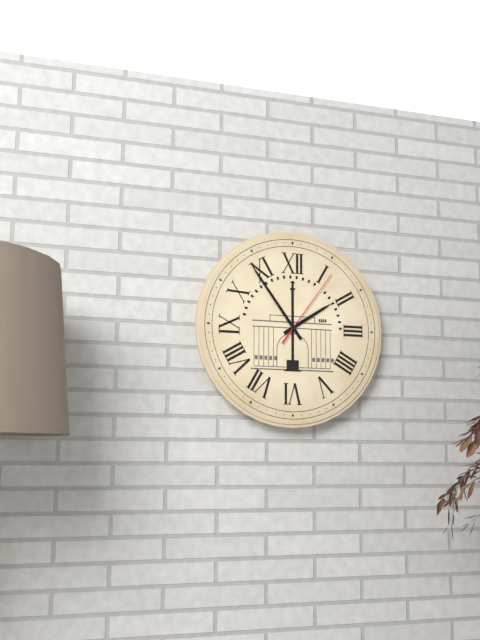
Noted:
1,54,06
